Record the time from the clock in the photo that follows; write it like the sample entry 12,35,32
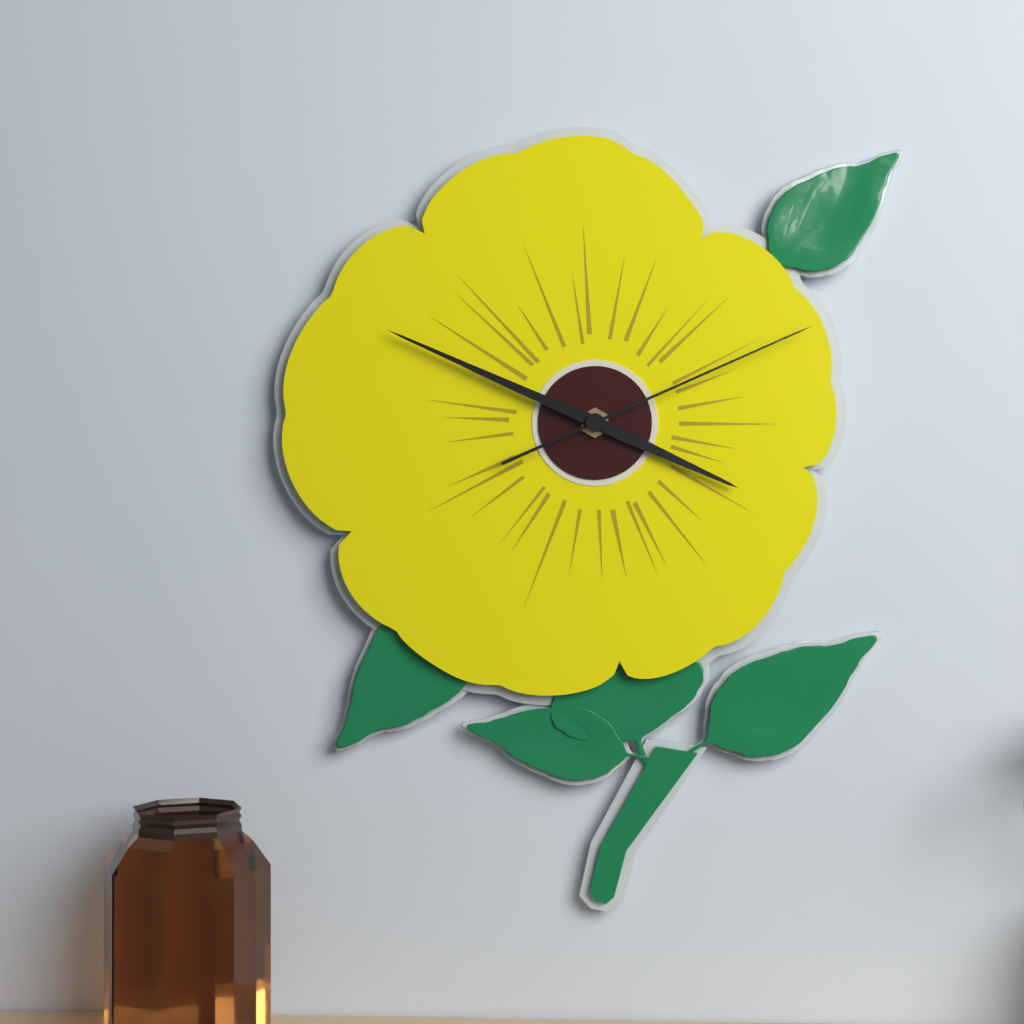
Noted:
3,49,11
